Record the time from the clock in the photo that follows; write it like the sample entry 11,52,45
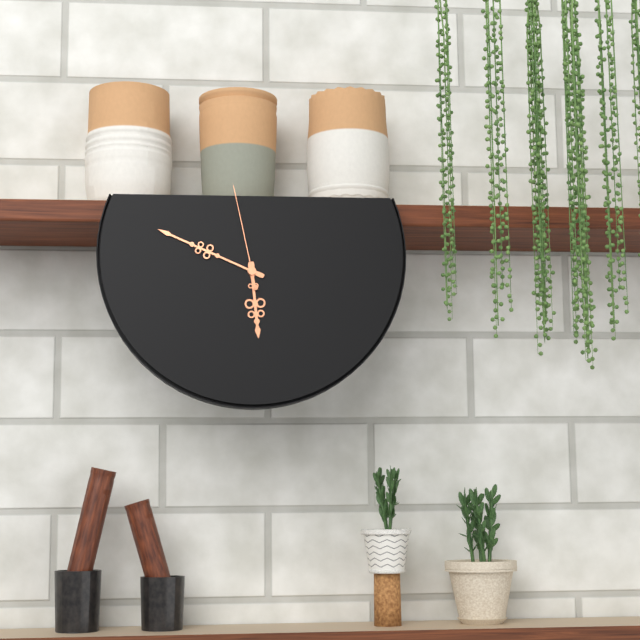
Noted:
5,49,58
